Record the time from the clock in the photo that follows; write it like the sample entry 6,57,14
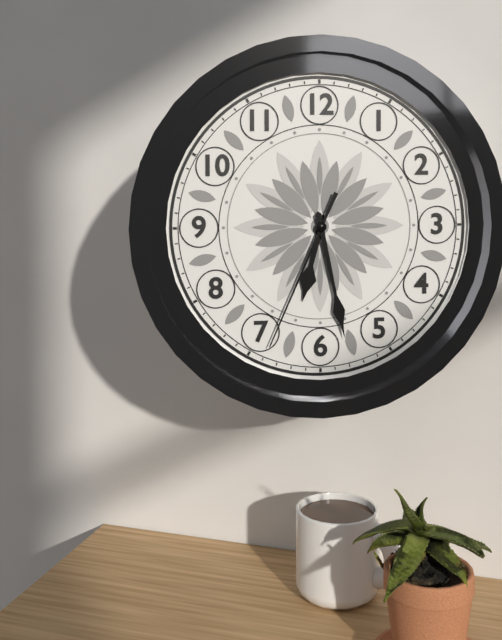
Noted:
6,28,34
